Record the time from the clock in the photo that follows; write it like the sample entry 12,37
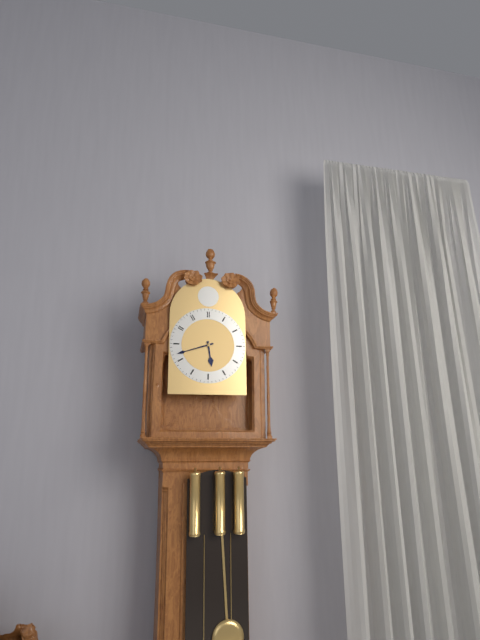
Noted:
5,42
